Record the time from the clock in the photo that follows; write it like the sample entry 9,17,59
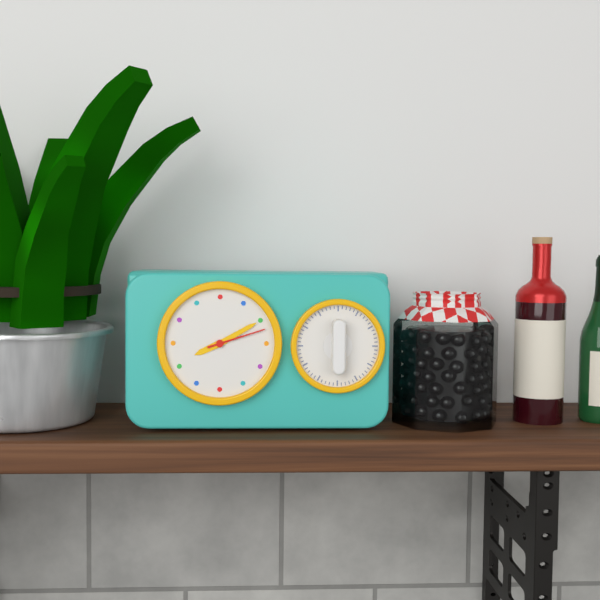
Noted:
8,10,12
